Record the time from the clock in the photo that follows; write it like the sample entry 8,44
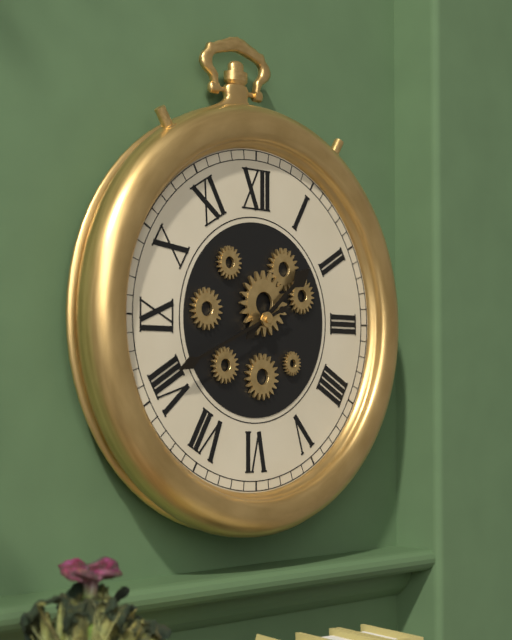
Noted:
1,41
